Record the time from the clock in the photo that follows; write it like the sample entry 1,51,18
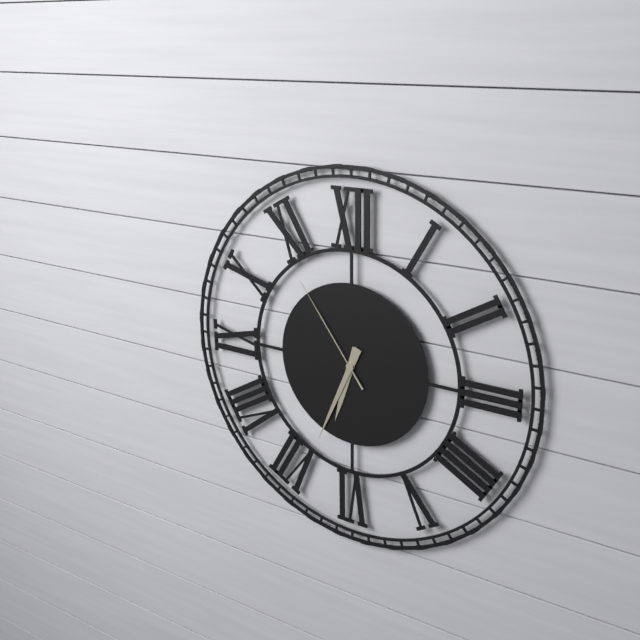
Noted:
6,34,54
